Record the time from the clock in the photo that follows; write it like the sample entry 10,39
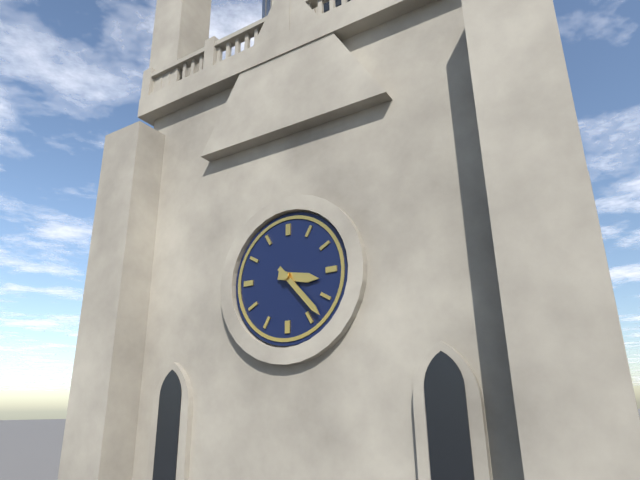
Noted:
3,23
